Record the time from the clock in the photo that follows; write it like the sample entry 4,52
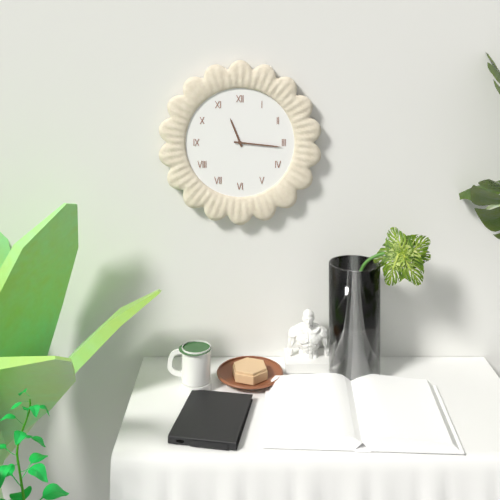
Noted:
11,16
